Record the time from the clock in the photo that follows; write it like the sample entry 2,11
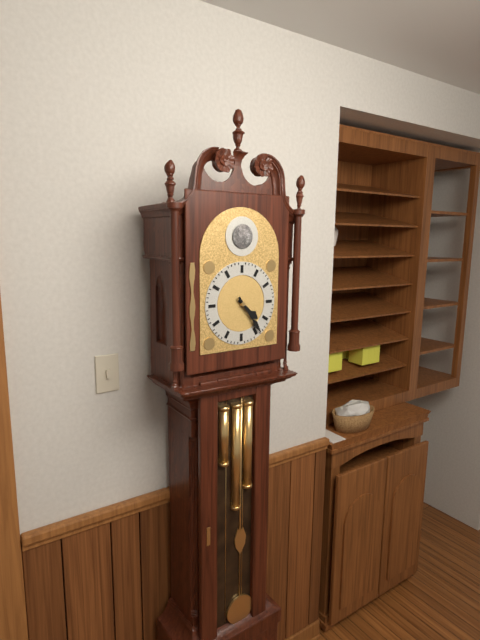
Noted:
4,24
